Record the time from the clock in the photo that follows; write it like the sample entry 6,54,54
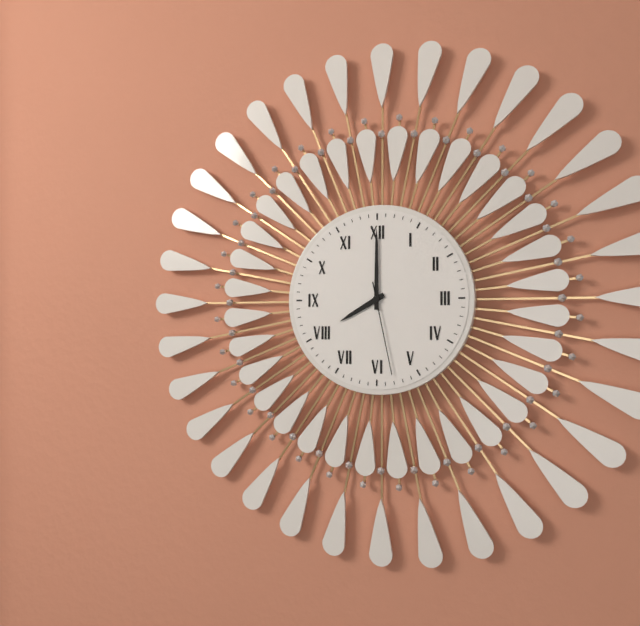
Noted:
8,00,28
